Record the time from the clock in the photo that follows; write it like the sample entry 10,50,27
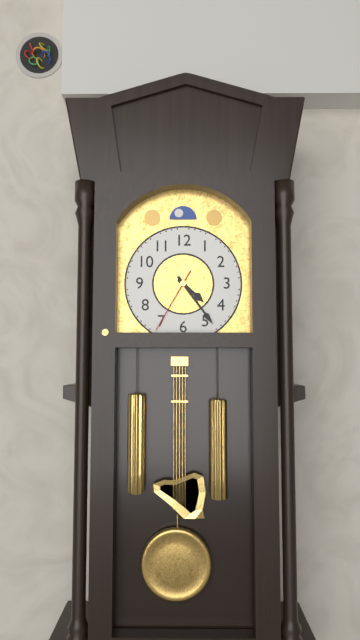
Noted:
4,24,35
